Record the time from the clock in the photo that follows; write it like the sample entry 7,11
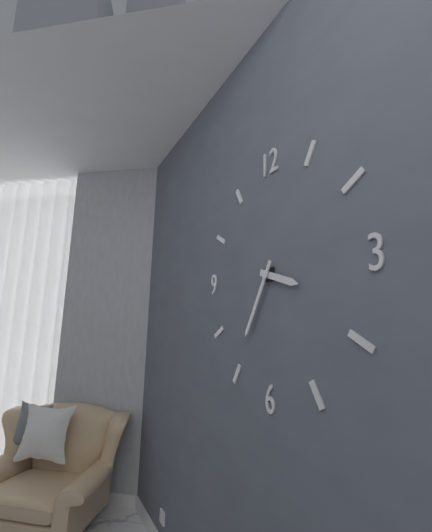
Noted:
3,35
